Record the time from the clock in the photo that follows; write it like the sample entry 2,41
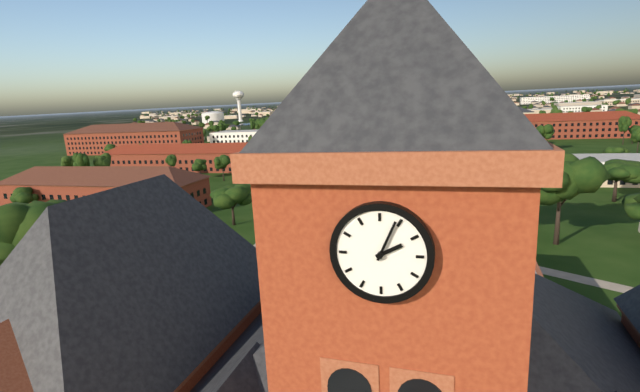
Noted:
2,04
